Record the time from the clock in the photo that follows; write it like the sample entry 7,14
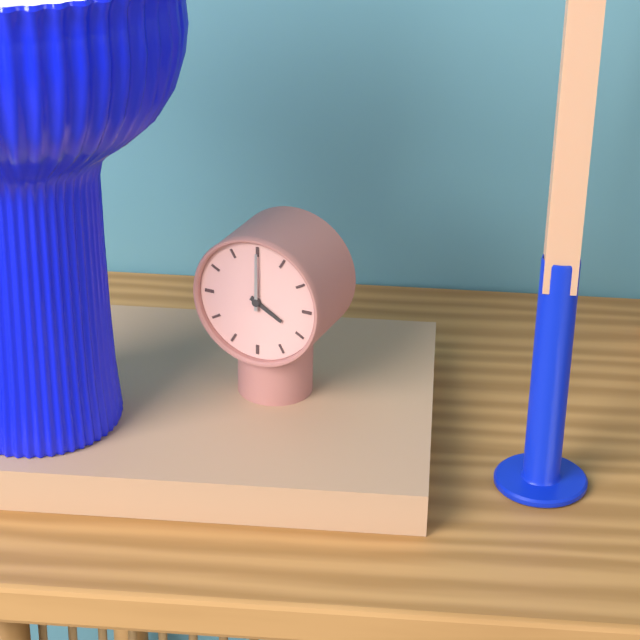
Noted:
4,00
